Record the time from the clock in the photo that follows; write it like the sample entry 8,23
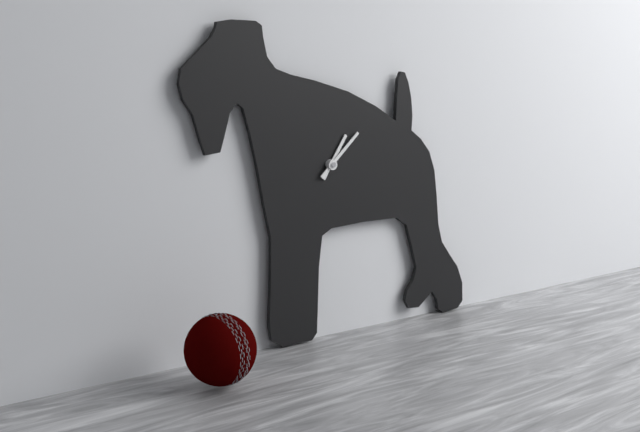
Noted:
1,08
